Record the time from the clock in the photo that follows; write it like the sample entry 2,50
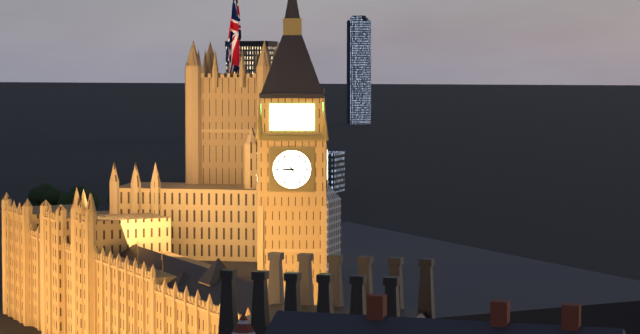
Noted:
8,54
